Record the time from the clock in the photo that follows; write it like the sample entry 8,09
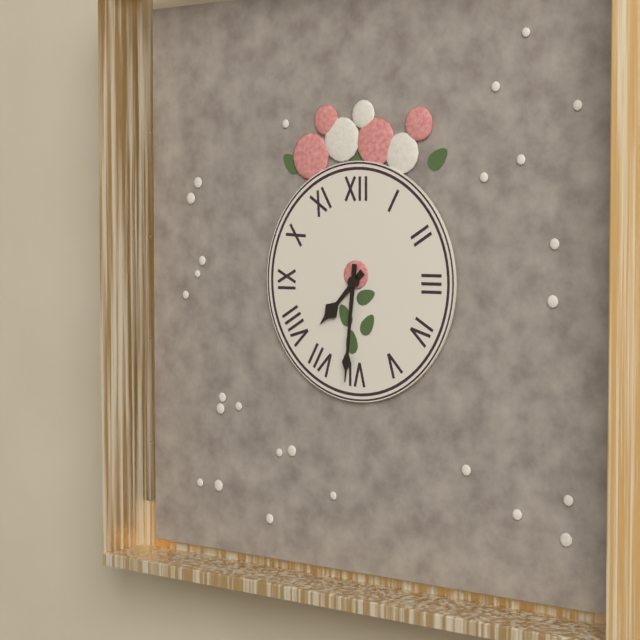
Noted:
7,31
